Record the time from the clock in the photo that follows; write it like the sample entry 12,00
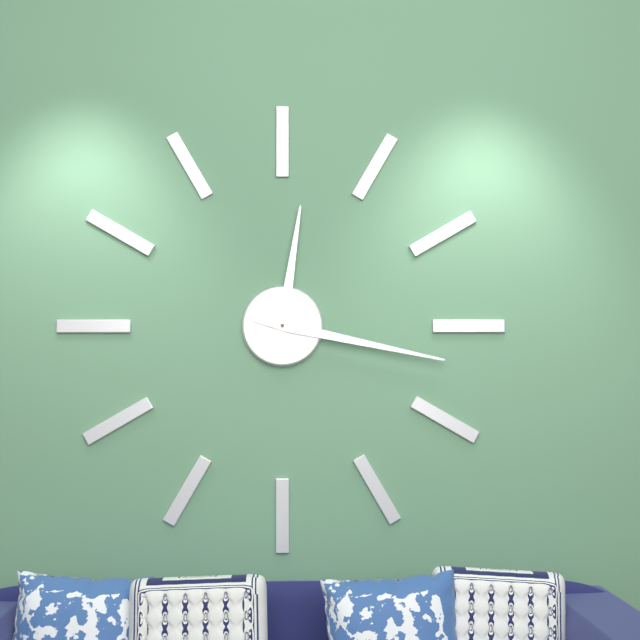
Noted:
12,17
